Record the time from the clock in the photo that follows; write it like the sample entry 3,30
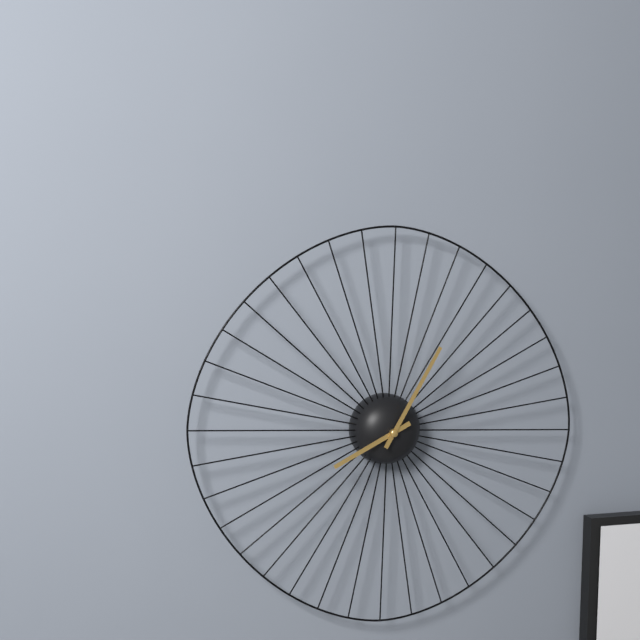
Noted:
8,05
